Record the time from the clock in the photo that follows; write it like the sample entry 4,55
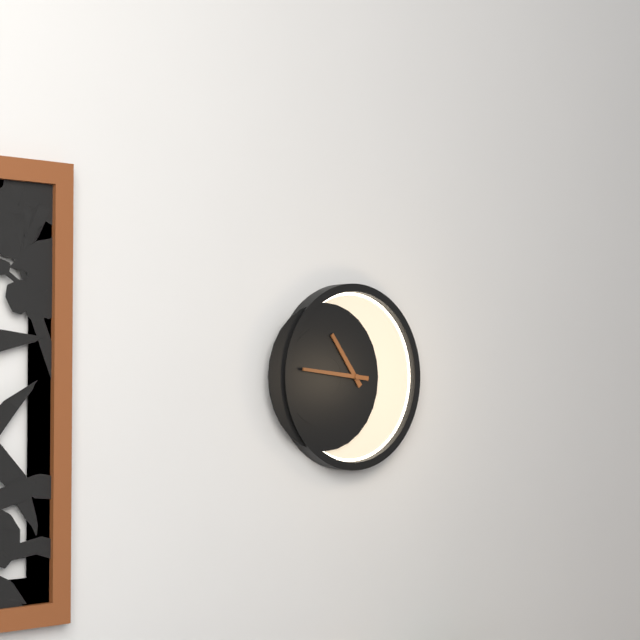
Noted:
10,46
